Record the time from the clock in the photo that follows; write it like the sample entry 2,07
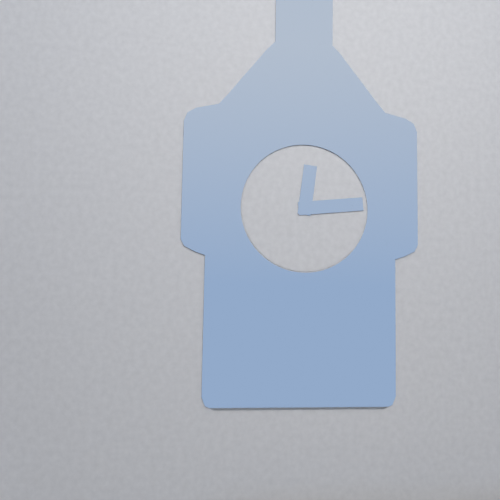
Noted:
12,14
